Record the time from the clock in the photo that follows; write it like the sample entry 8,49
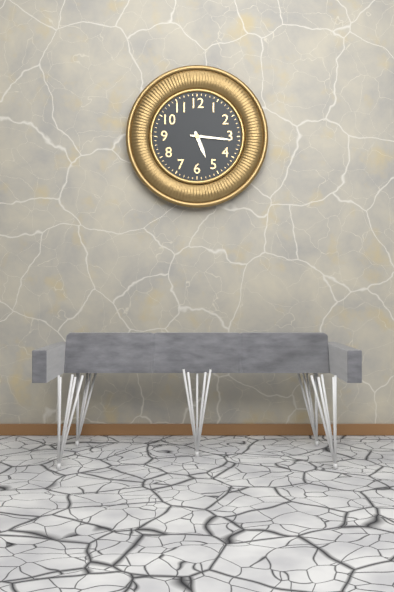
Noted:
5,16
